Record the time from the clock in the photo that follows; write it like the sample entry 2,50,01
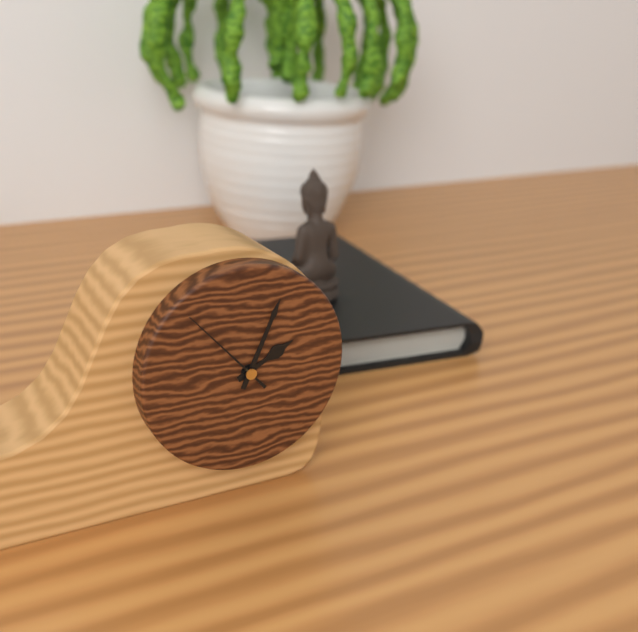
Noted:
2,04,53
